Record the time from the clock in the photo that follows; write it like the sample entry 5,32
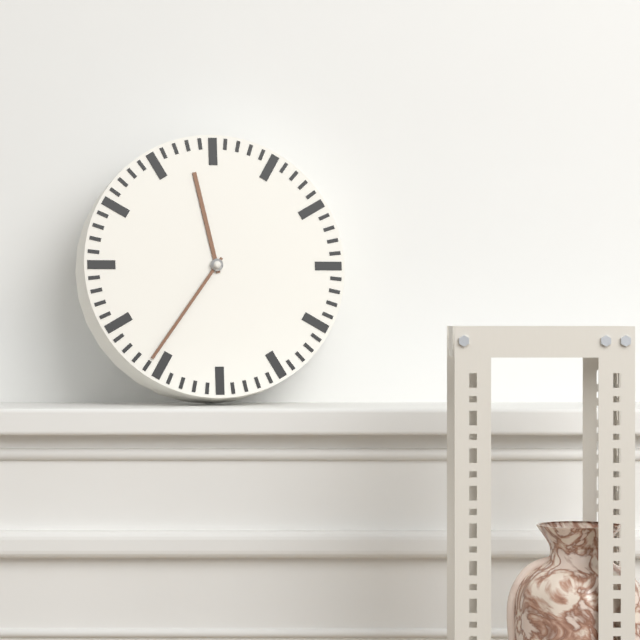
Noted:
11,36
